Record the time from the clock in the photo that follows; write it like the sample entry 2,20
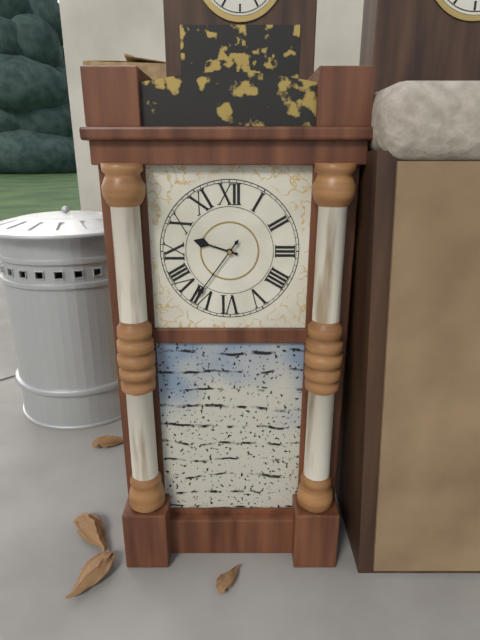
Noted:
9,36
